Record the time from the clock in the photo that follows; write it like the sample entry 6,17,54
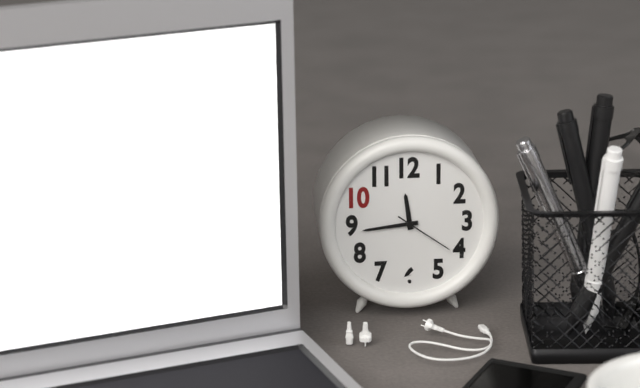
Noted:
11,44,21
